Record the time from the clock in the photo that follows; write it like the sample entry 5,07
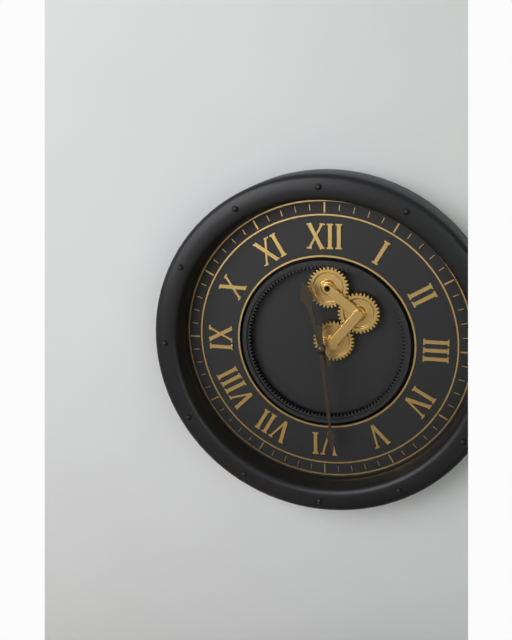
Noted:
11,29
